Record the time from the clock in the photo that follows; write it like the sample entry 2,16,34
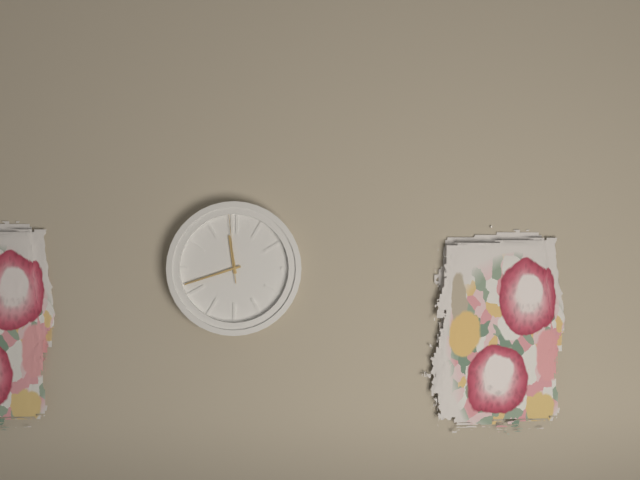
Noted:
11,42,59
